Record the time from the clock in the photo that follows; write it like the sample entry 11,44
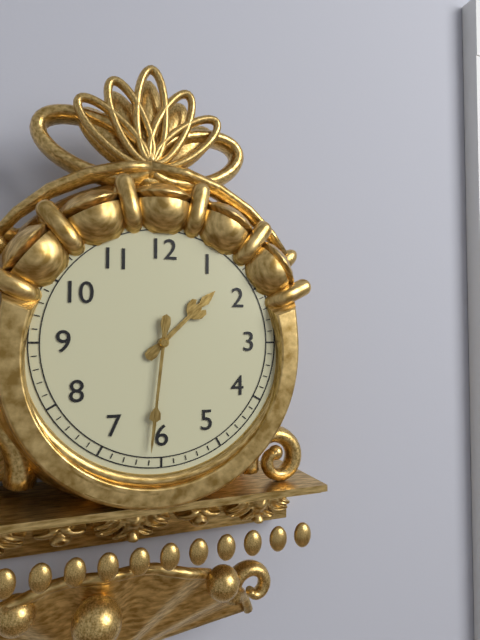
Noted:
1,31
